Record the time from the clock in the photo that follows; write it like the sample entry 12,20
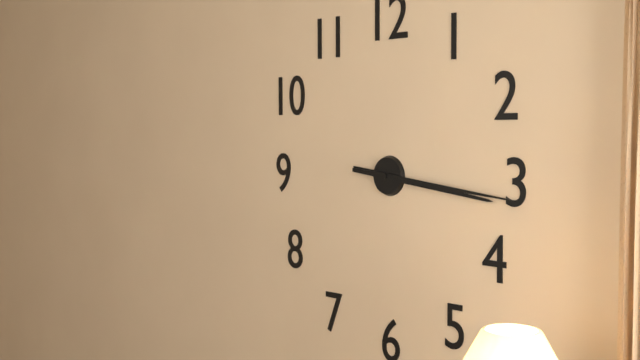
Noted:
3,16
